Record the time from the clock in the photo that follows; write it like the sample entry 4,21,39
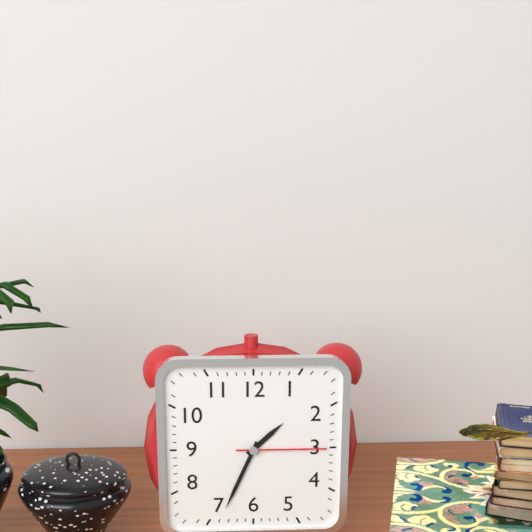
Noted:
1,34,15
